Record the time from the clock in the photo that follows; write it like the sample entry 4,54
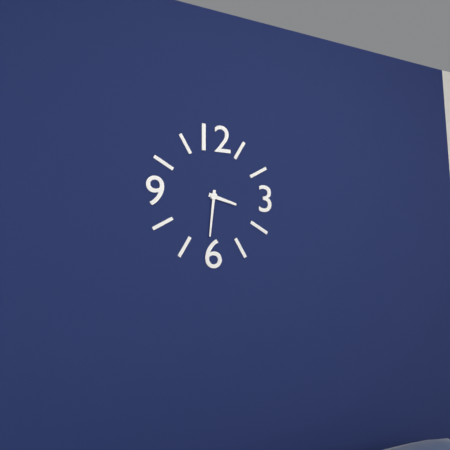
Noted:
3,31
